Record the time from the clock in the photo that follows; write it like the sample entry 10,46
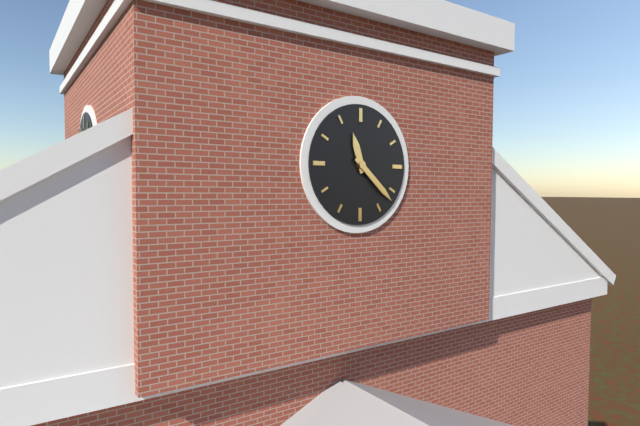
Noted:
11,22
